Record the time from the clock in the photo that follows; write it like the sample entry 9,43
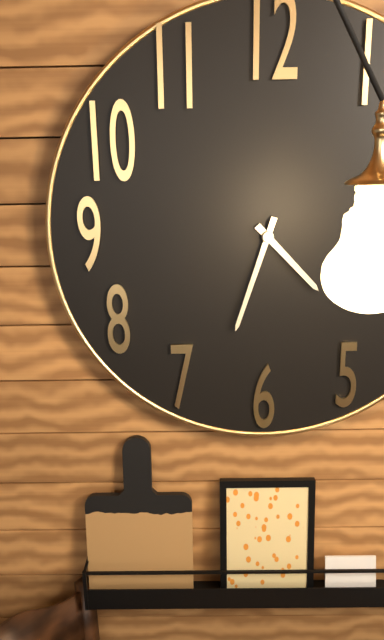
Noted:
4,33
